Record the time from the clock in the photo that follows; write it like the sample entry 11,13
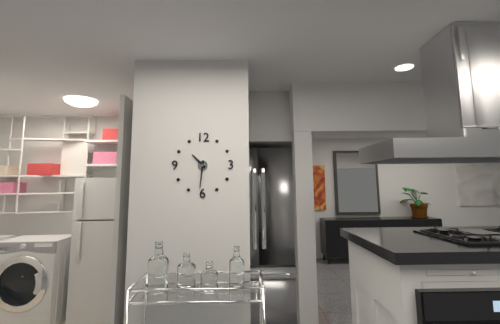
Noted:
10,31
